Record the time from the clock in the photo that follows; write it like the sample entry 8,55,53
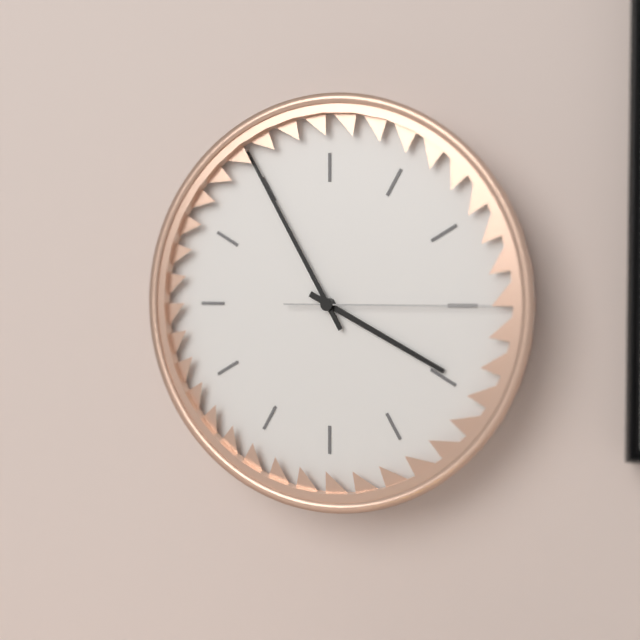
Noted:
3,55,15
